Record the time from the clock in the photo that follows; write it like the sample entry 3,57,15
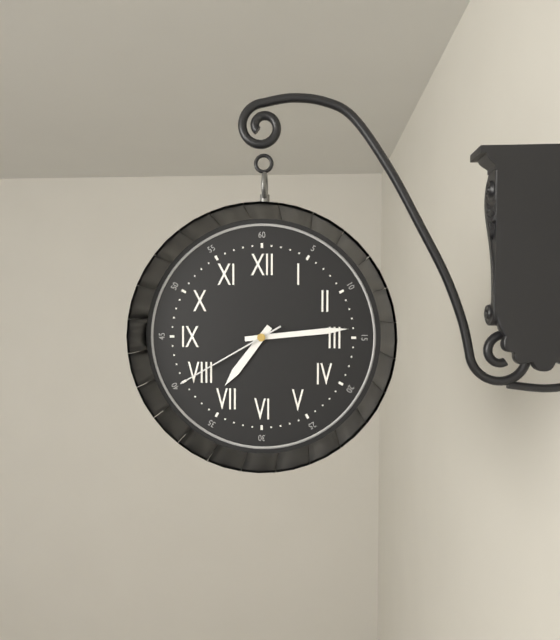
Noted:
7,14,40
